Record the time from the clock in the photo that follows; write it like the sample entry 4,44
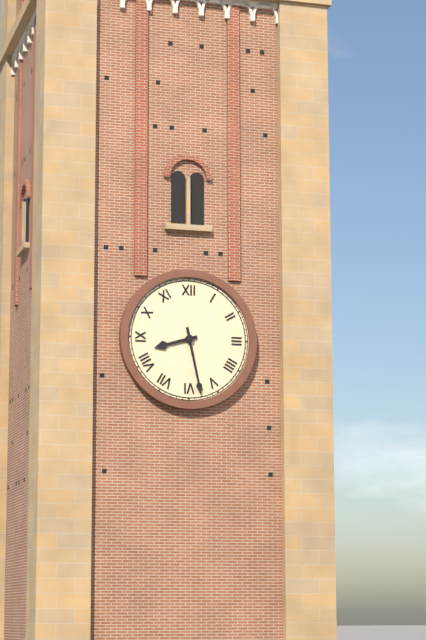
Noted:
8,28
